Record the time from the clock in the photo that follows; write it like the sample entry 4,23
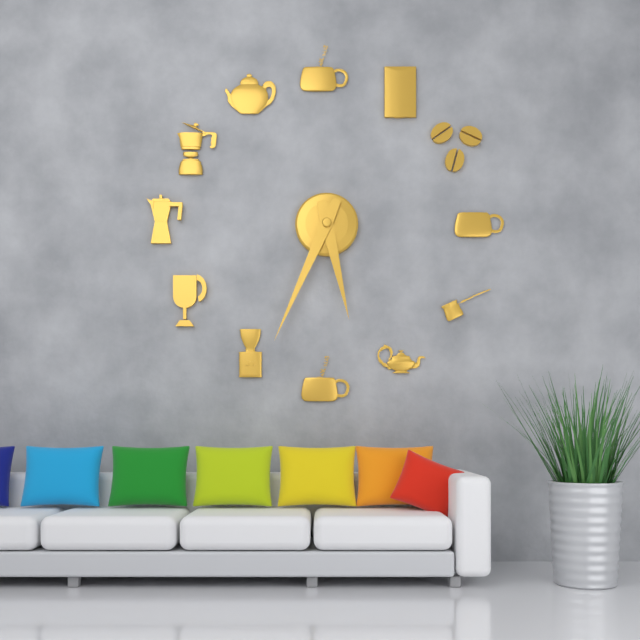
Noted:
5,34
